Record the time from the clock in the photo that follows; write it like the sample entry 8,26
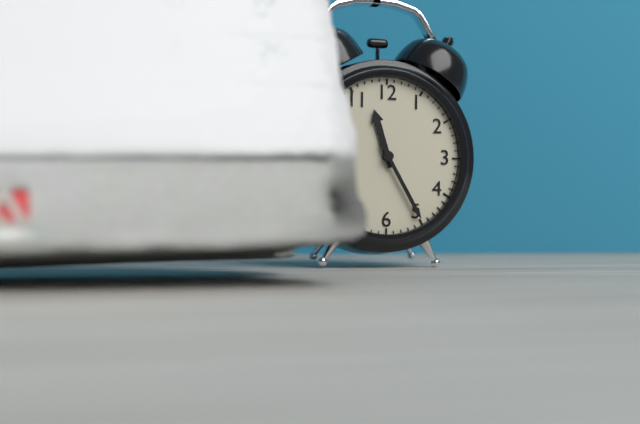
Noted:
11,25
